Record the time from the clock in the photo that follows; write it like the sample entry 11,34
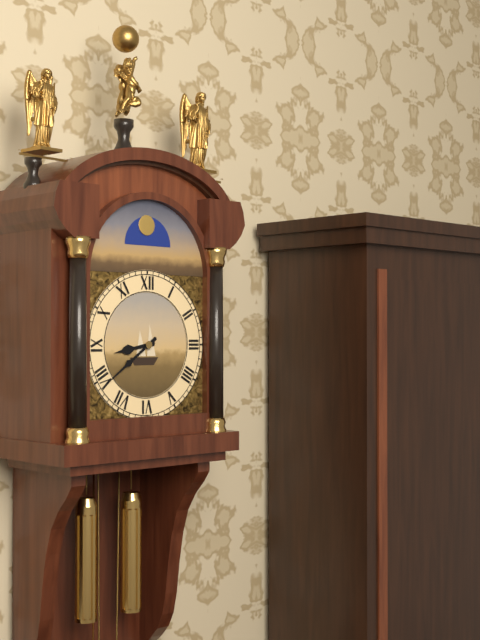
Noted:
8,39
